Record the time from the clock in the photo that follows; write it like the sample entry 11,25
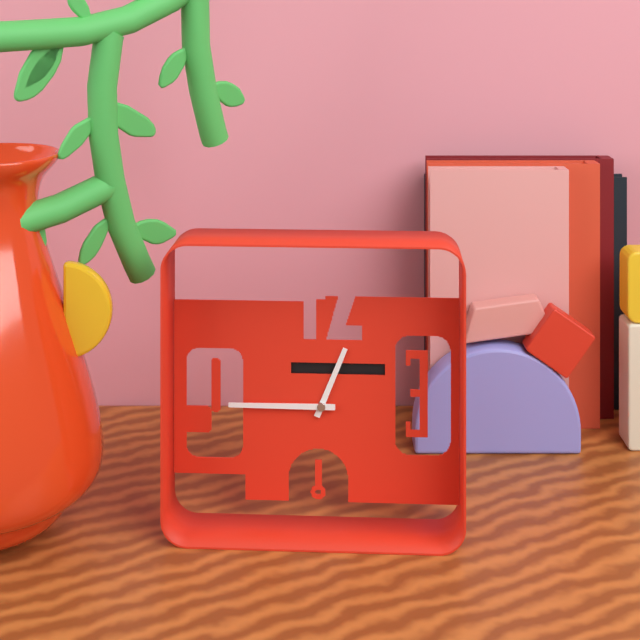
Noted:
12,45
